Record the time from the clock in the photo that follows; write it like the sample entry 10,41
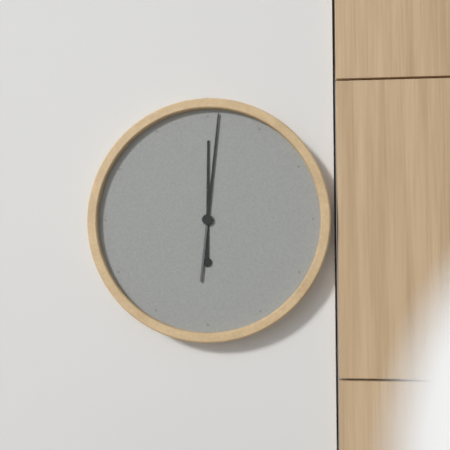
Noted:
12,01
